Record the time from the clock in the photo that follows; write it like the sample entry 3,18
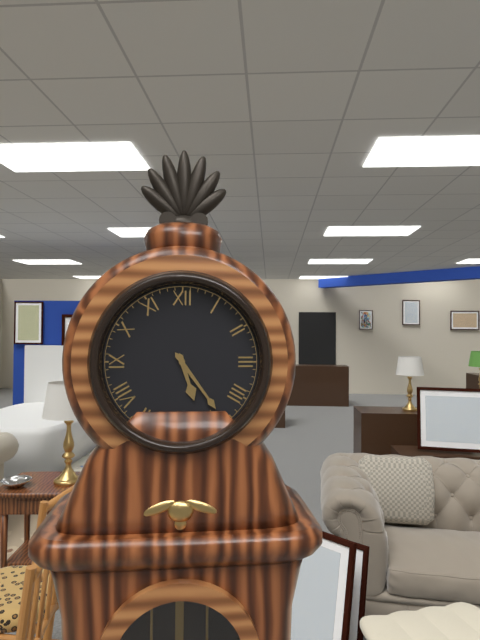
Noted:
5,24
